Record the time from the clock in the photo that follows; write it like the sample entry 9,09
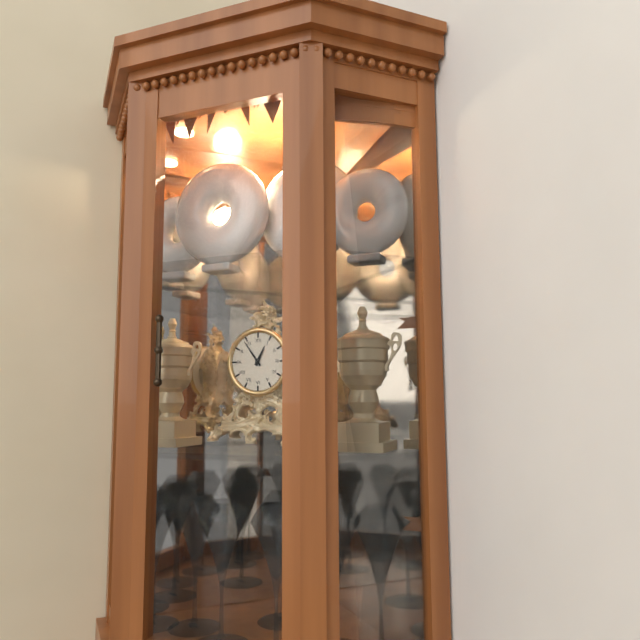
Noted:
12,54
